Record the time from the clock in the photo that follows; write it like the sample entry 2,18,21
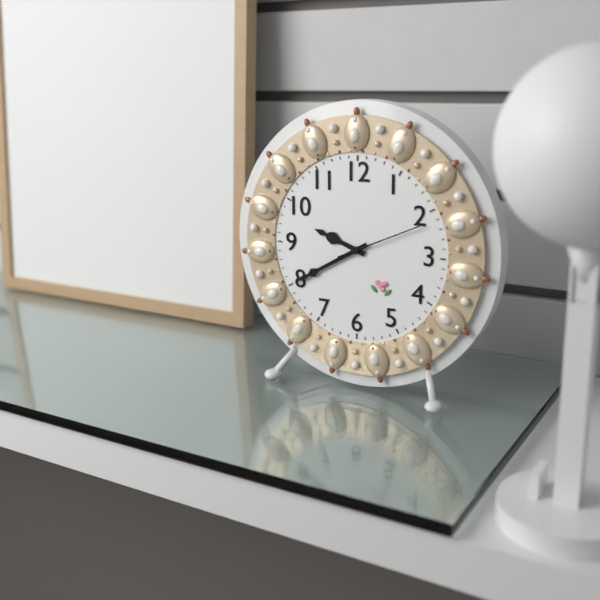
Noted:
9,40,11
